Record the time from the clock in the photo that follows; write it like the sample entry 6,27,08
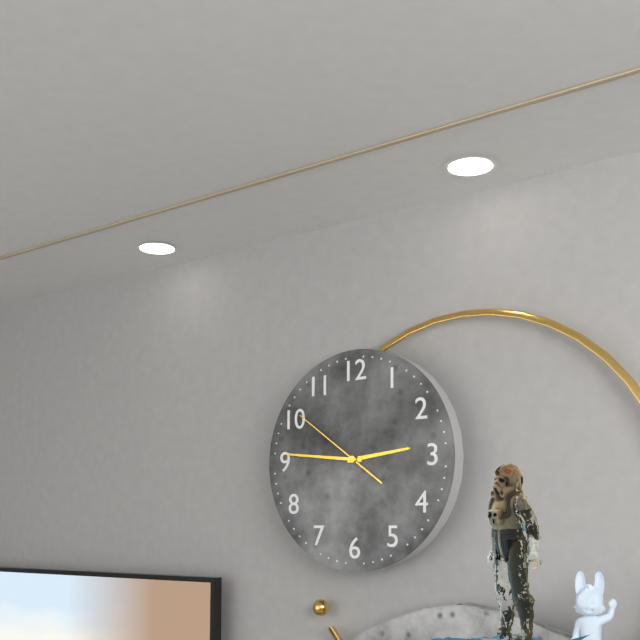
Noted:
2,46,51
